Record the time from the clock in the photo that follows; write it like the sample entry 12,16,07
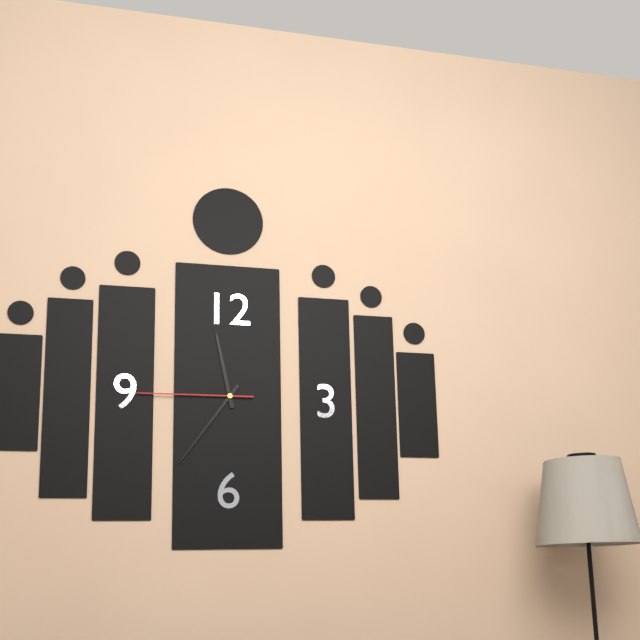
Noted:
11,36,45
